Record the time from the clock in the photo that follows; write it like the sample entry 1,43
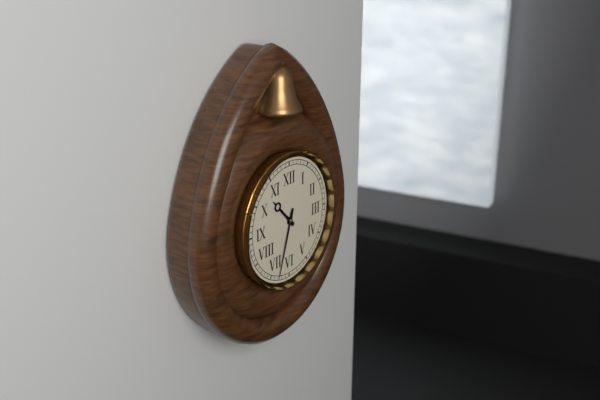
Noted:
10,33
